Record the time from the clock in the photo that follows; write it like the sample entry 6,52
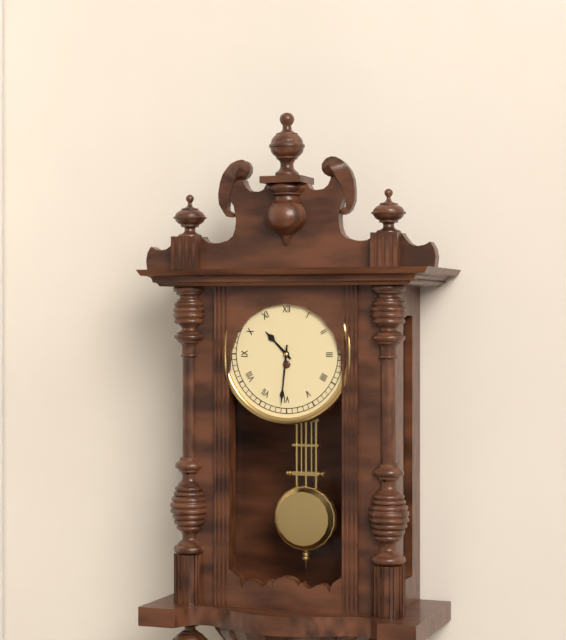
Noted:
10,31
